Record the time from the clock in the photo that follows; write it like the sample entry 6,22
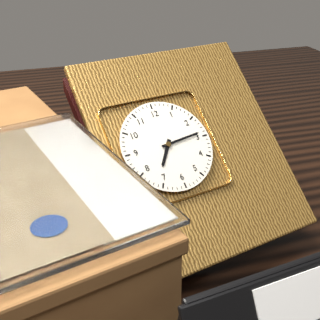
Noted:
7,14
